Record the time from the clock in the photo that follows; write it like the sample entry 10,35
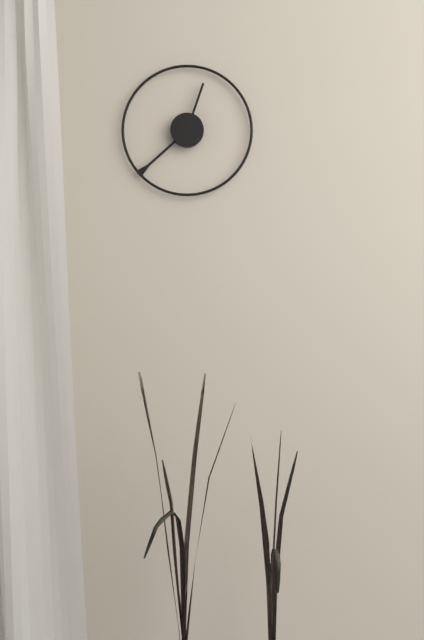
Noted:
12,38
